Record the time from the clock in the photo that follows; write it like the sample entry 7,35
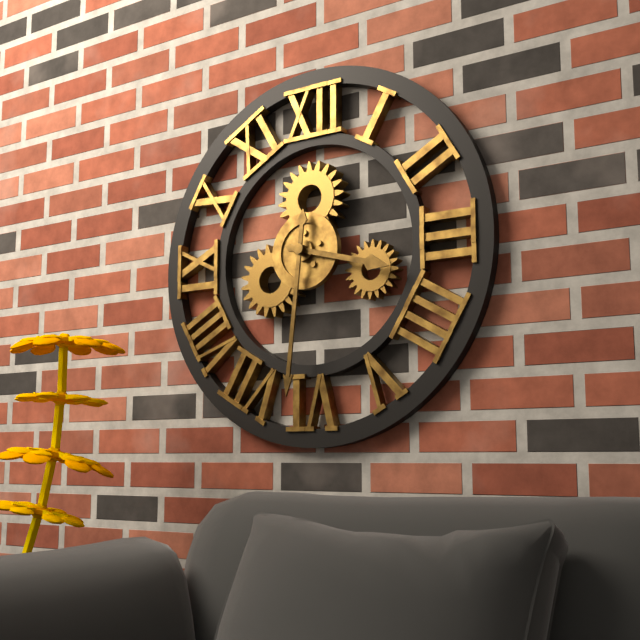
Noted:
3,31
